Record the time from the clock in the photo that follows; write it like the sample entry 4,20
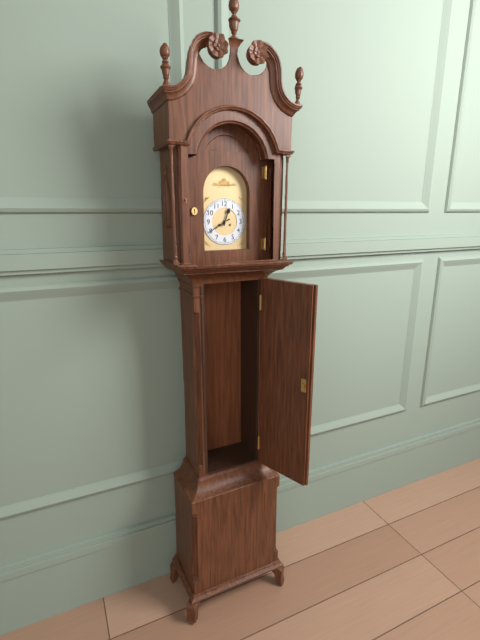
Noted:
12,40
